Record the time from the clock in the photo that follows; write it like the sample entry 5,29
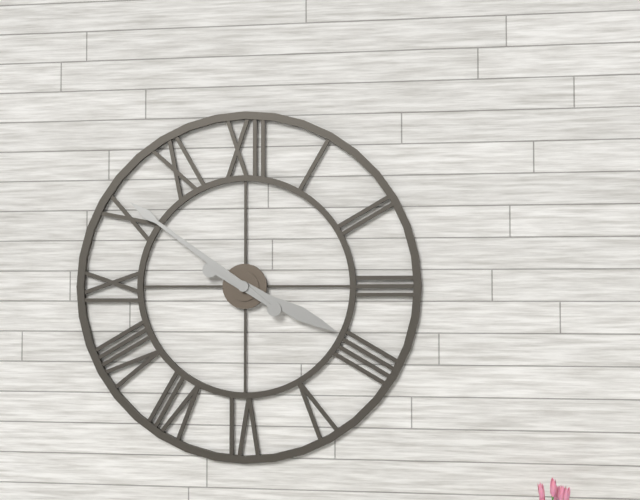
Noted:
3,51
